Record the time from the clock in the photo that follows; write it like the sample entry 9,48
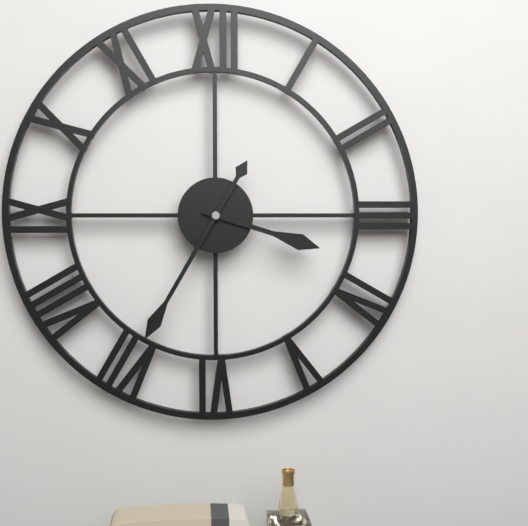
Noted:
3,35
